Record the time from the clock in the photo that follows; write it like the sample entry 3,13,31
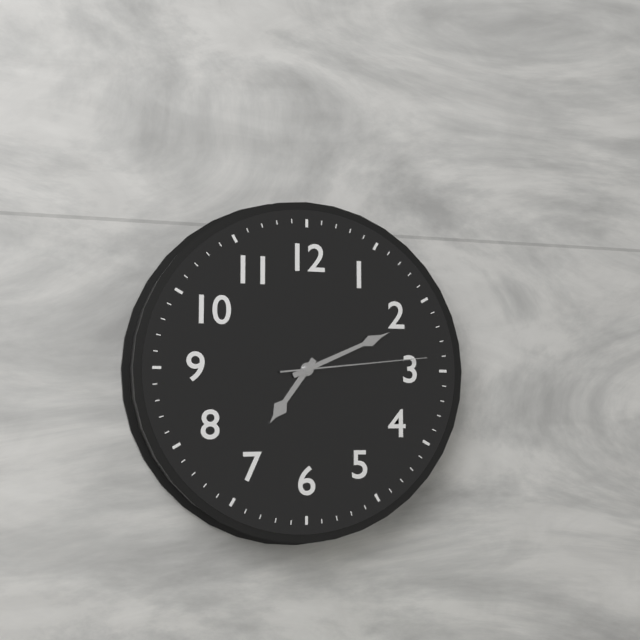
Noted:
7,11,14
